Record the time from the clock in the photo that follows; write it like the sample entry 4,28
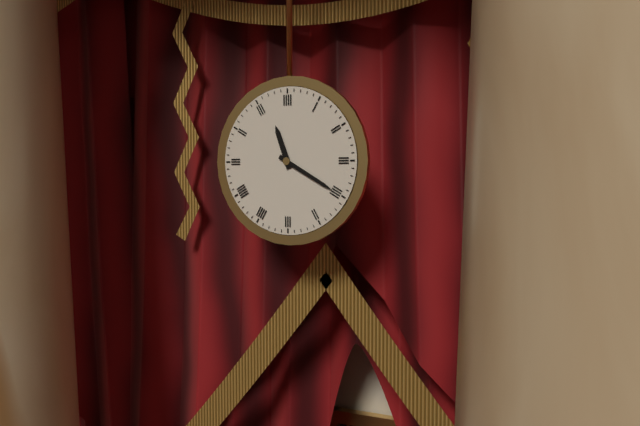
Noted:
11,20
